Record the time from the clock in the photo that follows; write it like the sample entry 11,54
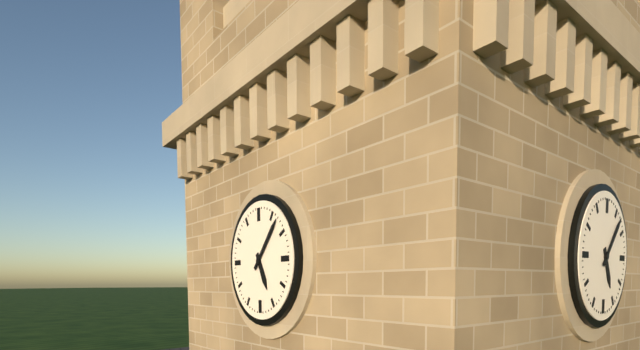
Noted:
5,07
